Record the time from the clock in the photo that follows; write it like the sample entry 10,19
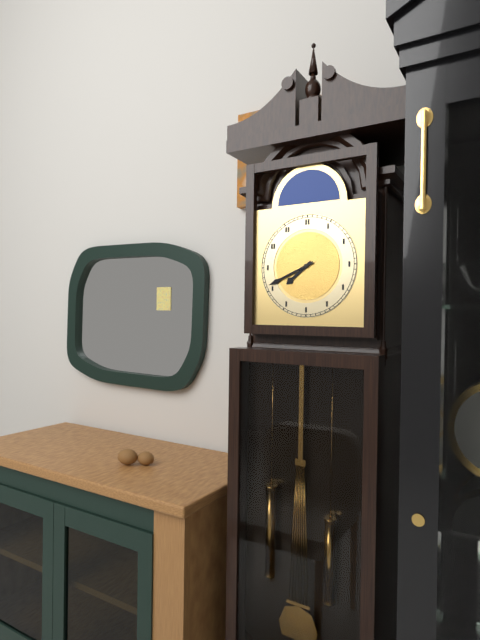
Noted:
7,41
